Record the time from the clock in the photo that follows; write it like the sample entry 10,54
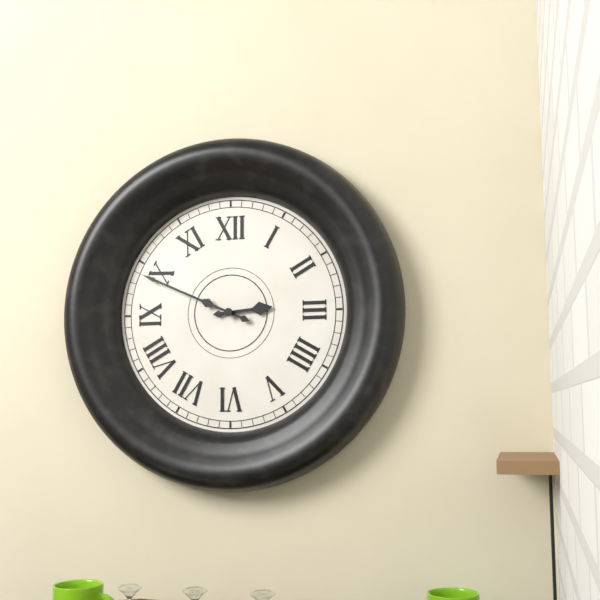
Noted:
2,49
